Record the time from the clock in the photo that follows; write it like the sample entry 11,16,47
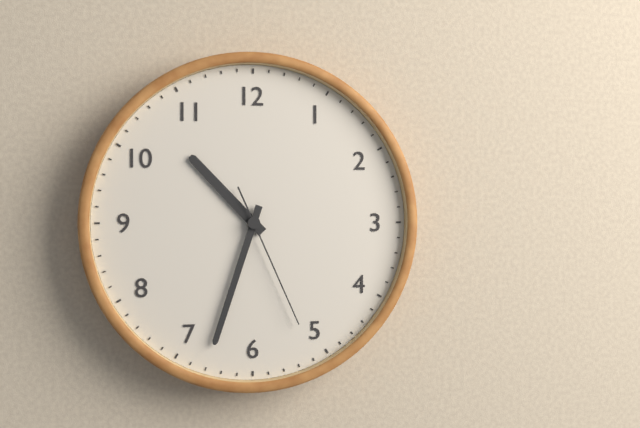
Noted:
10,33,26
